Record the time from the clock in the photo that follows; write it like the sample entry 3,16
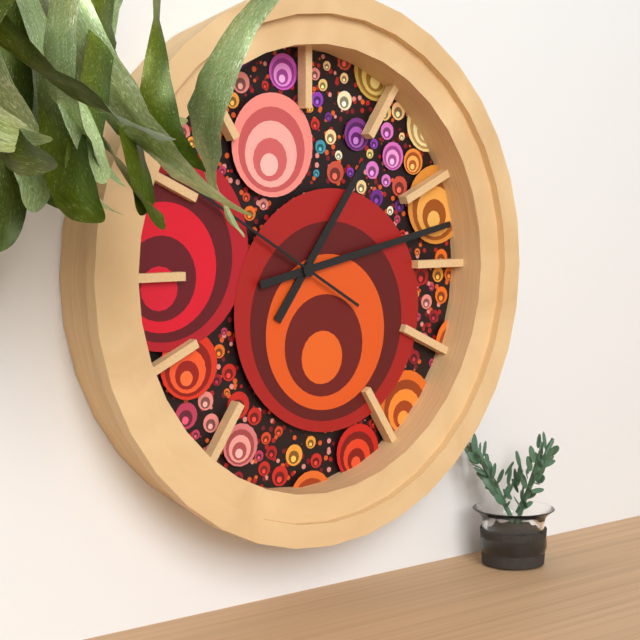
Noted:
1,13
